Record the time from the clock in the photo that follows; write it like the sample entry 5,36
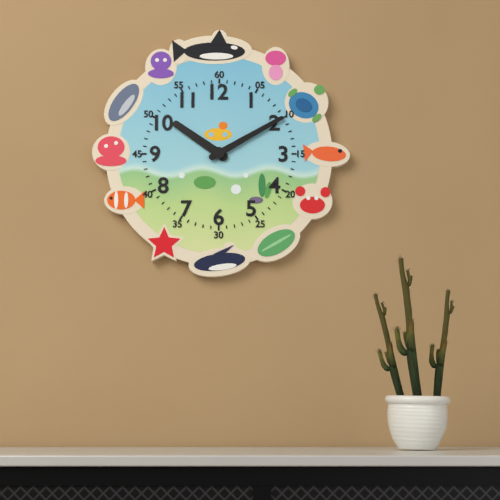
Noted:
10,10
